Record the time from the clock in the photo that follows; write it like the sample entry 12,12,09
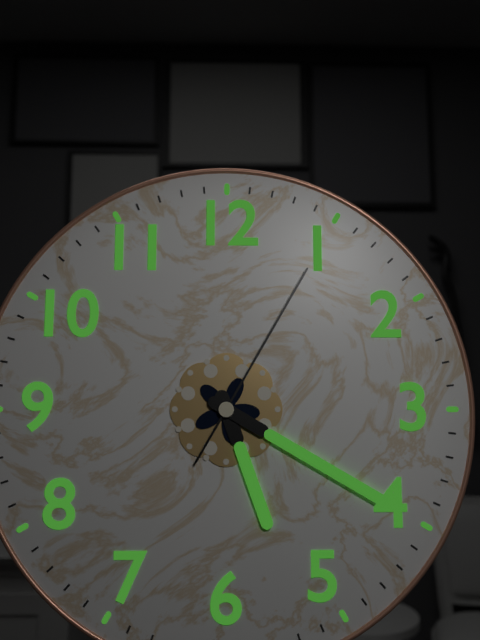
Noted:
5,20,05
